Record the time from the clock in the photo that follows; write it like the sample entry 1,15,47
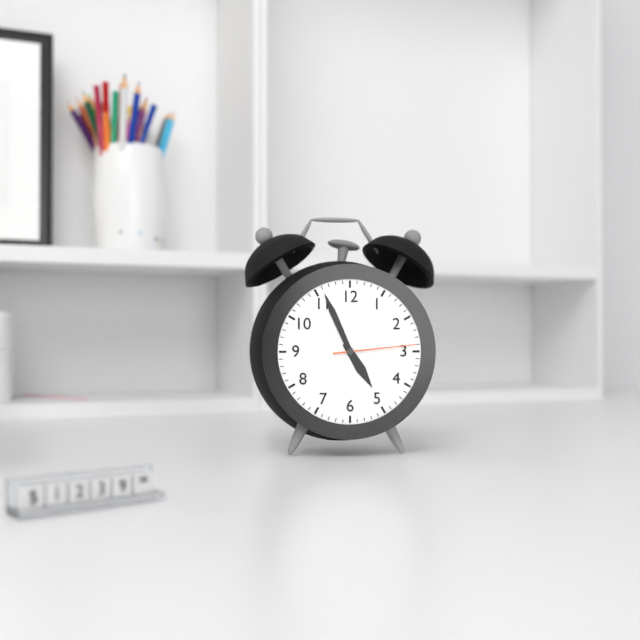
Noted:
4,56,14
